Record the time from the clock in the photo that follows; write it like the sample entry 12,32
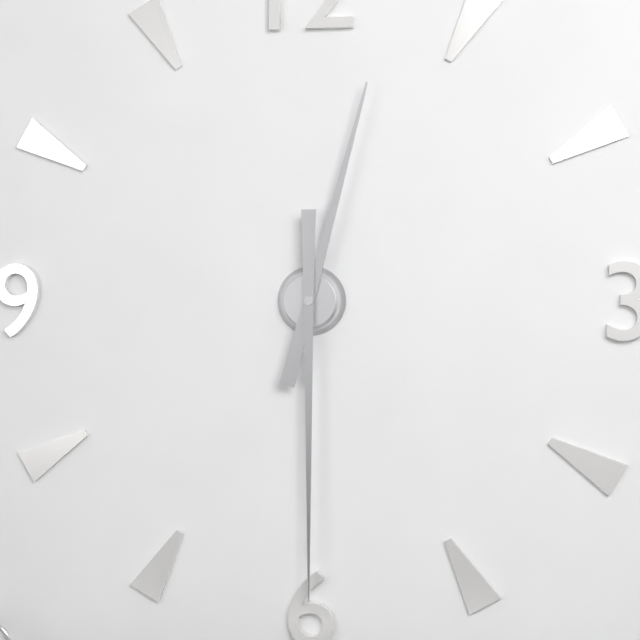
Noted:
12,30
